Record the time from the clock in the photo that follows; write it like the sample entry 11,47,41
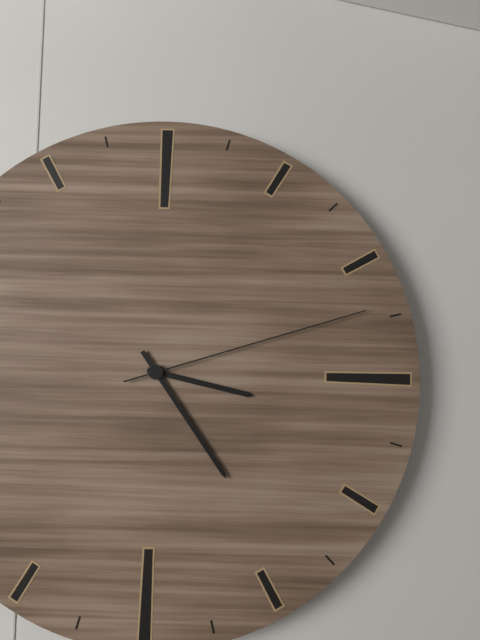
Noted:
3,24,12
